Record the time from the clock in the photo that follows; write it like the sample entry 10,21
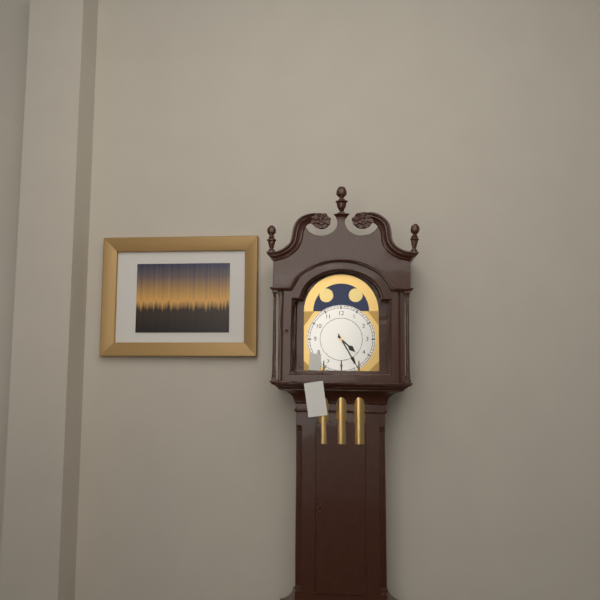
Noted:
4,25
